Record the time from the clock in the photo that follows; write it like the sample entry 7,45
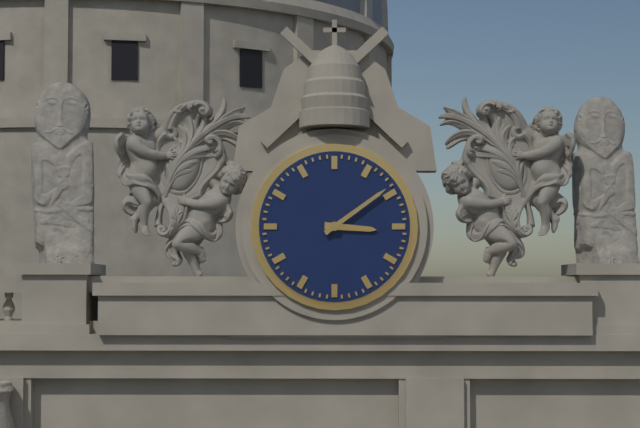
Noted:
3,09
